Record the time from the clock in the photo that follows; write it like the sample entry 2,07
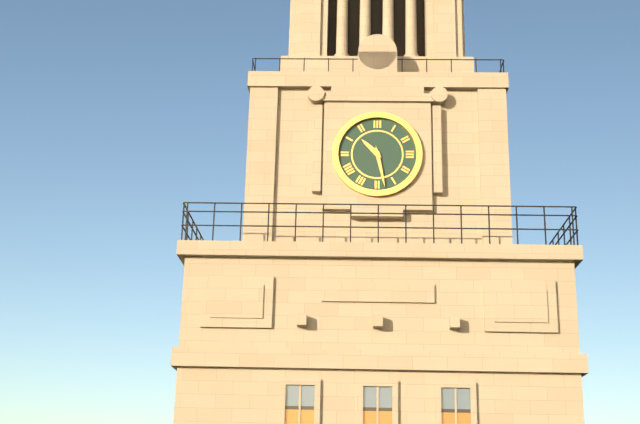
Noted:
10,28
